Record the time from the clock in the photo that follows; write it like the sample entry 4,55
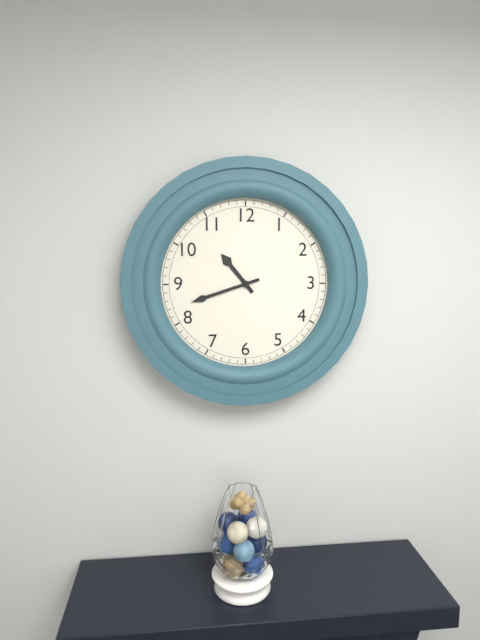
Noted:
10,42
